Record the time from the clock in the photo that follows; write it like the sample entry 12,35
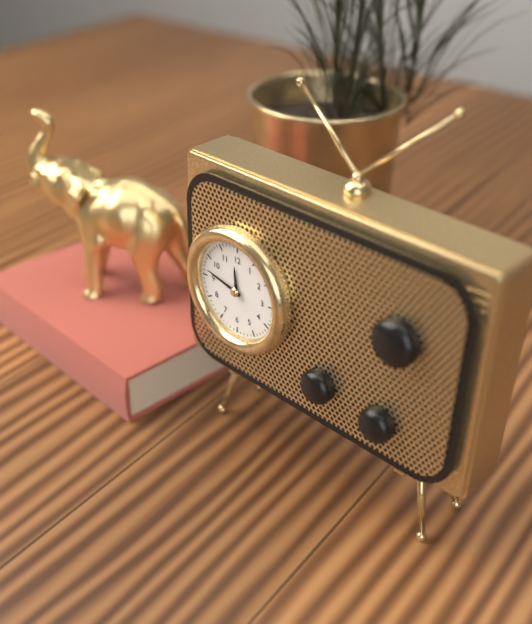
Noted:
11,47
